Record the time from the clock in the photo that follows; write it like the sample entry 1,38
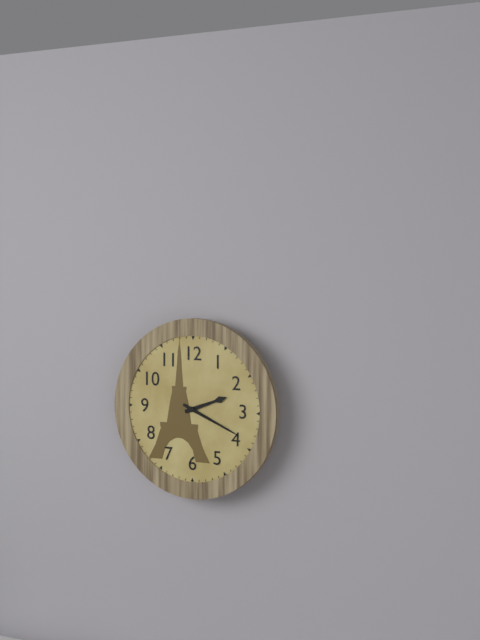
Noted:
2,19
